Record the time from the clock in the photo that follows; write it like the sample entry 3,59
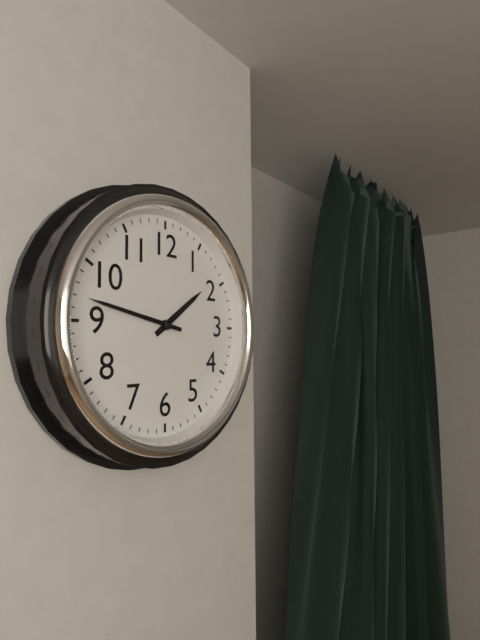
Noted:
1,47
